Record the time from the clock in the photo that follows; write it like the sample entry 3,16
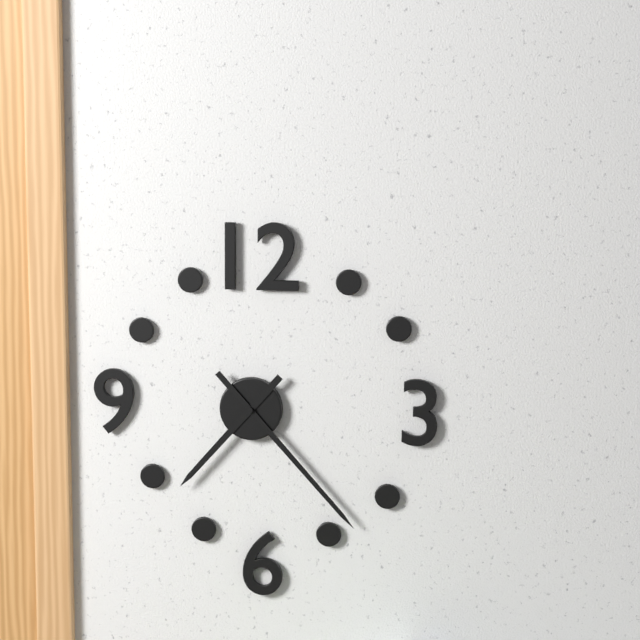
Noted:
7,23
